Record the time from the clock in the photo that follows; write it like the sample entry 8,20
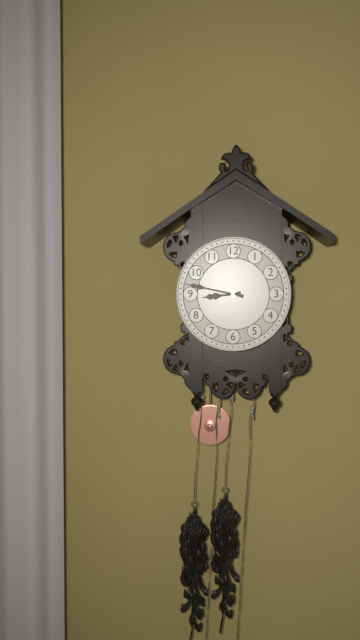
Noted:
8,47
